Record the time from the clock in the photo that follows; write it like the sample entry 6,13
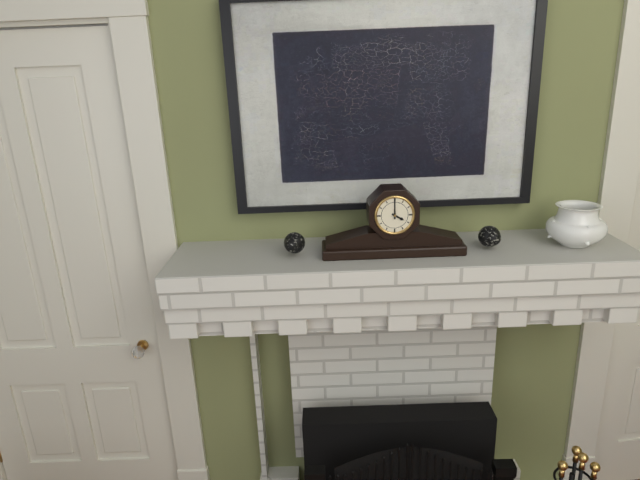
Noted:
4,00
